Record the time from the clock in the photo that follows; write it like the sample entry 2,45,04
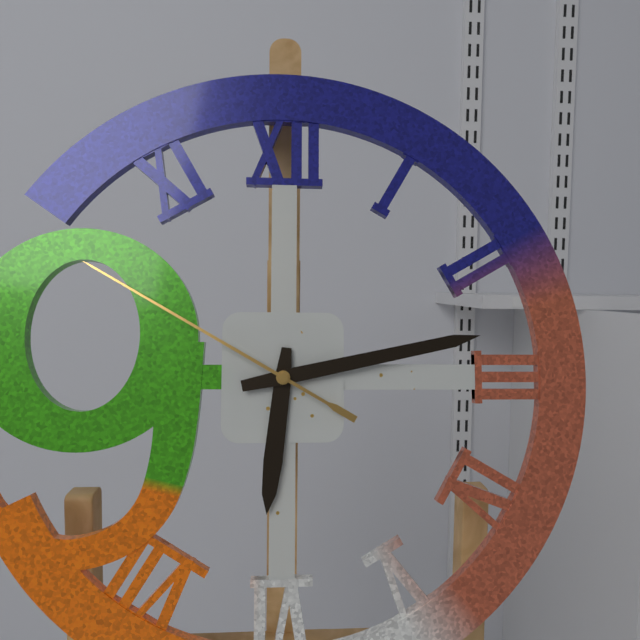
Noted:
6,13,50
